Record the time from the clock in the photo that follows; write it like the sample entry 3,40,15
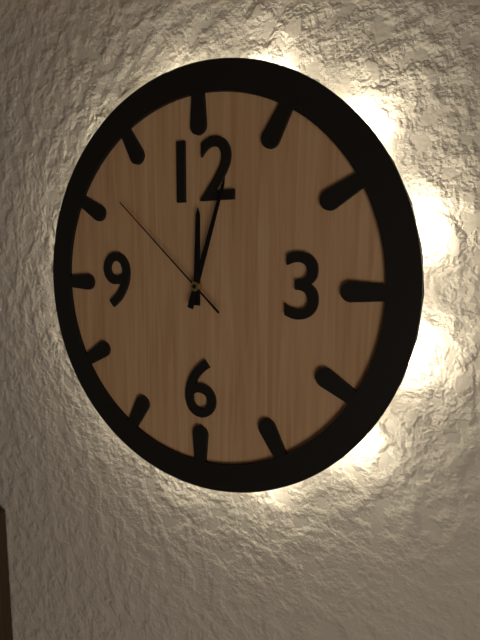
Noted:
12,03,52
